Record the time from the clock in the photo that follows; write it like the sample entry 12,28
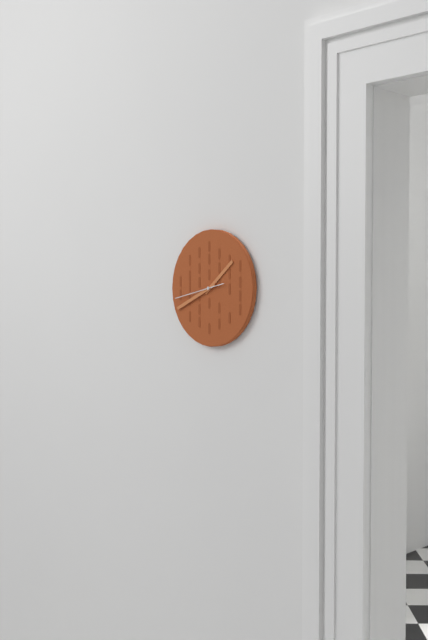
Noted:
1,41
